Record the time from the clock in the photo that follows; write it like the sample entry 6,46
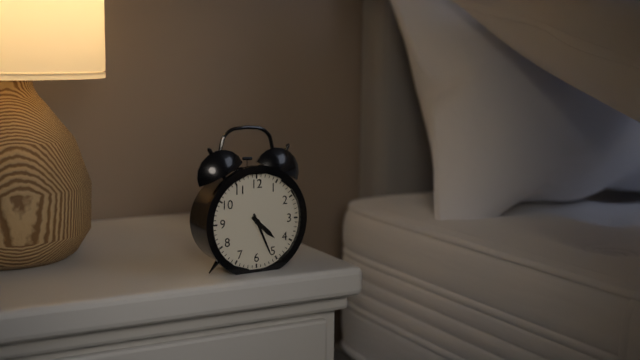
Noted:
4,26
